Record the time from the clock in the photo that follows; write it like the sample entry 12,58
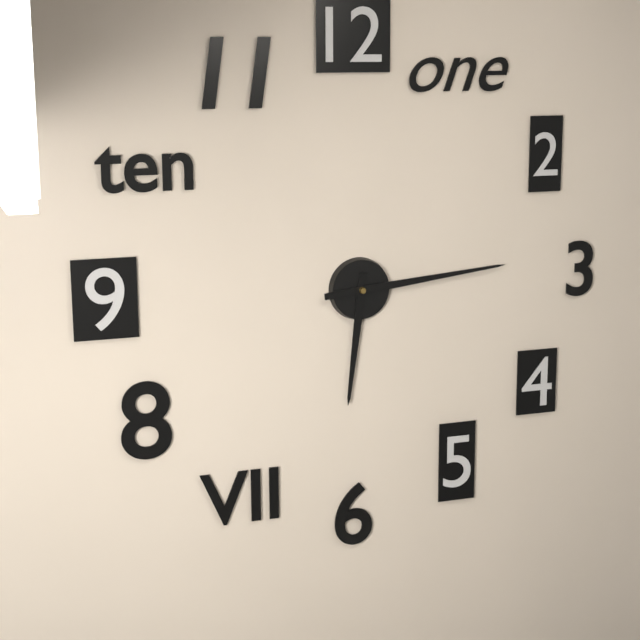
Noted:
6,14
